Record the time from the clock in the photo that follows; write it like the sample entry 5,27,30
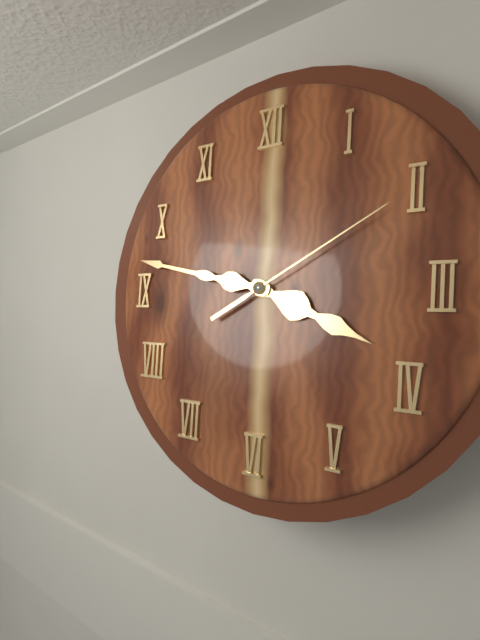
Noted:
3,47,10
